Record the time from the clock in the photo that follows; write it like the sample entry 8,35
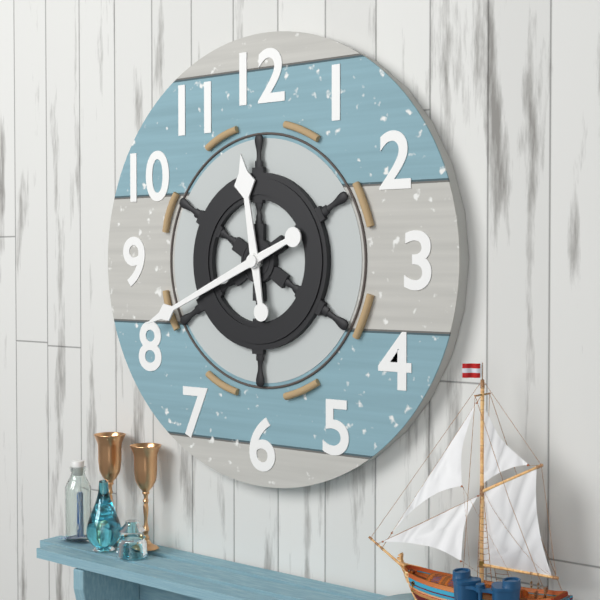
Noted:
11,41
